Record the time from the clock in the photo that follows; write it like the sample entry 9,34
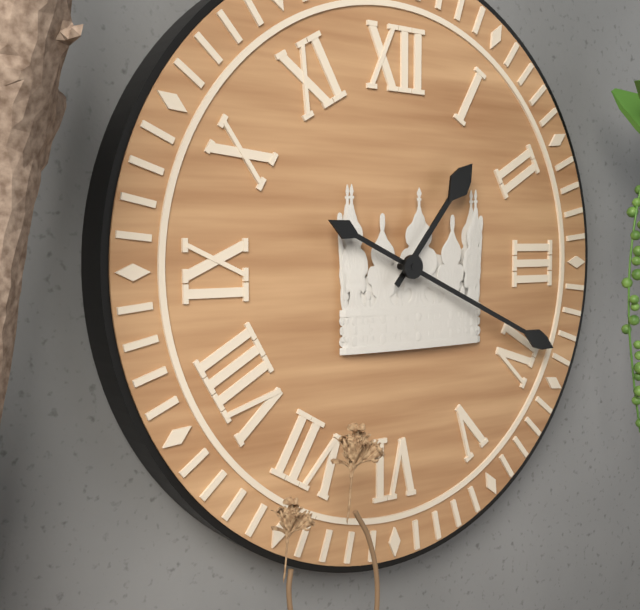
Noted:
1,19
